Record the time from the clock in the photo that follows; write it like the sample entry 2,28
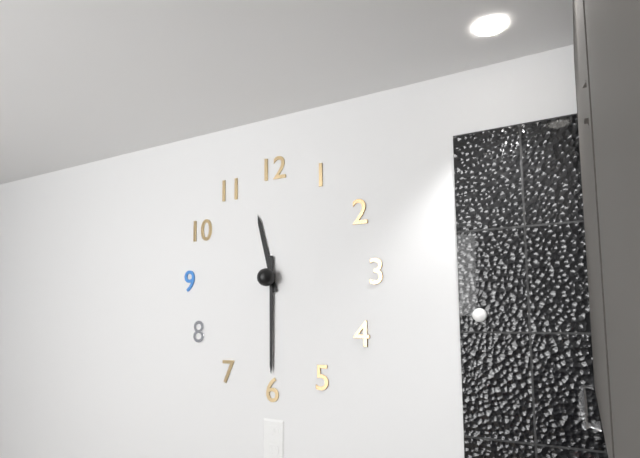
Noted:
11,30
